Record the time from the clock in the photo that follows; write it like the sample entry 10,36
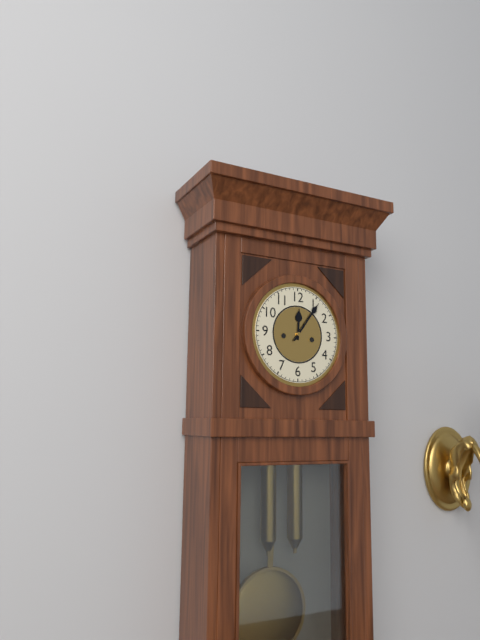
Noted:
12,06
